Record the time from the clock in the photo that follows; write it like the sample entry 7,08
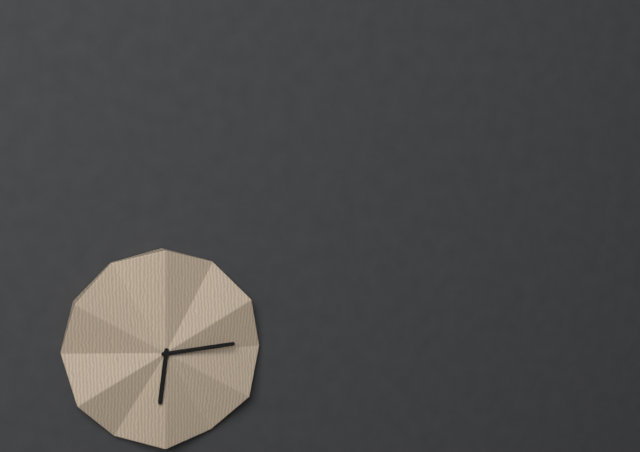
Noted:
6,14
